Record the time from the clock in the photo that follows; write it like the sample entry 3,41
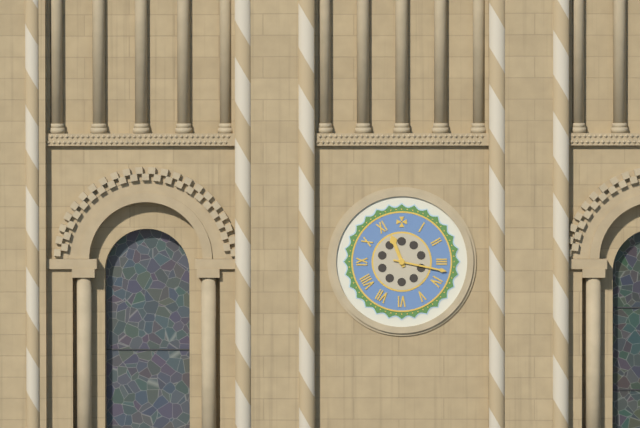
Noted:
11,17
